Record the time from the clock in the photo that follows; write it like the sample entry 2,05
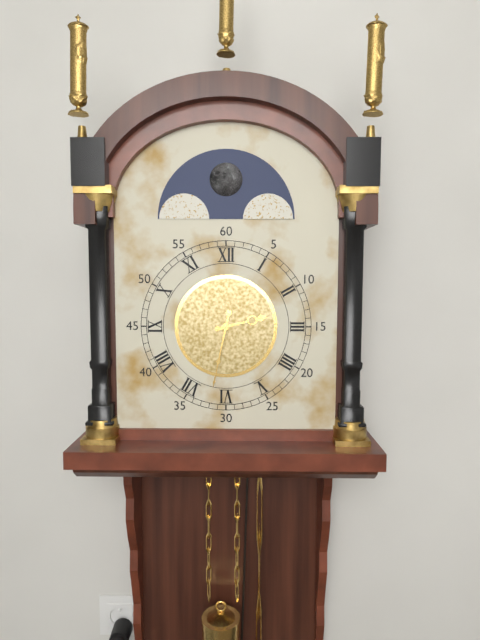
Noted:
2,32
